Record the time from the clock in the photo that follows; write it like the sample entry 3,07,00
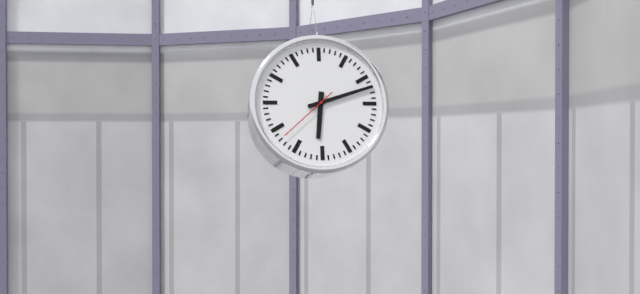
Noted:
6,12,38
